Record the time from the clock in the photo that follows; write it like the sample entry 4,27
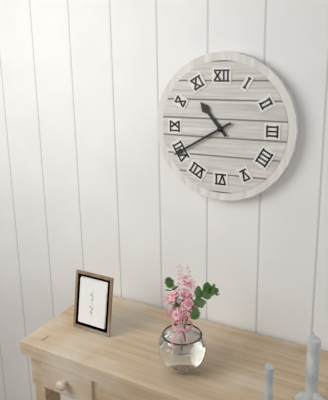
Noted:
10,40
